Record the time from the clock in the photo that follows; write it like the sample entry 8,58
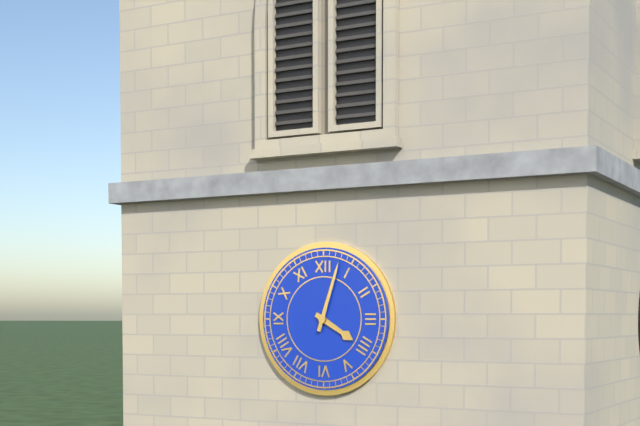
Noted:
4,03
